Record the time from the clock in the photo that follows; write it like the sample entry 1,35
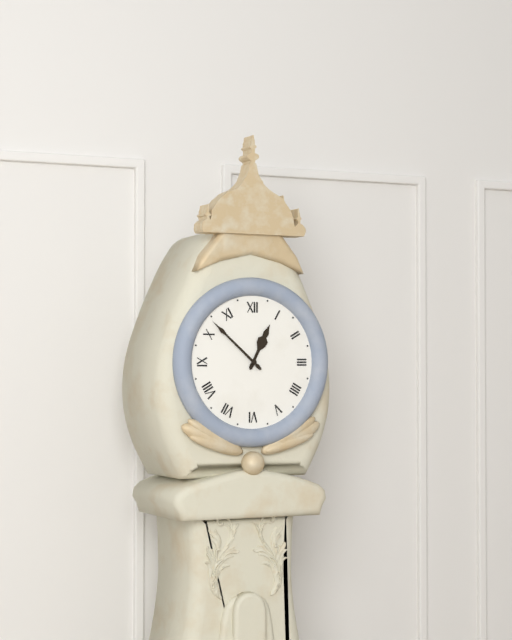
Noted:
12,52
